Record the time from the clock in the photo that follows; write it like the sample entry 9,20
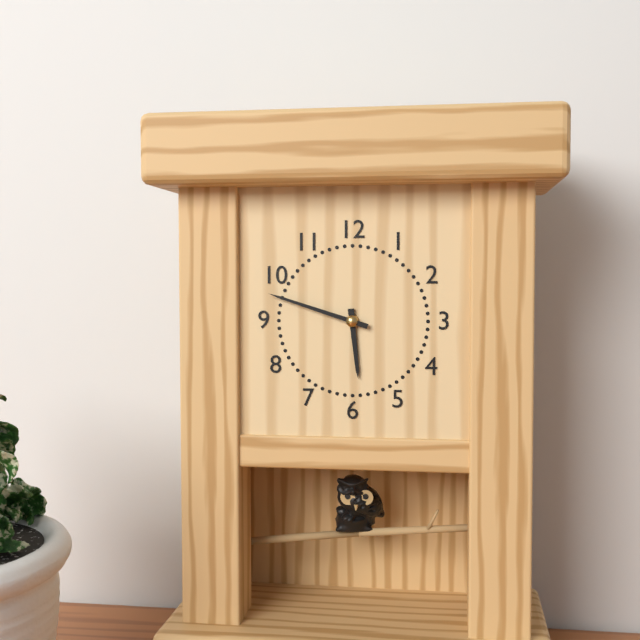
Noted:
5,48
